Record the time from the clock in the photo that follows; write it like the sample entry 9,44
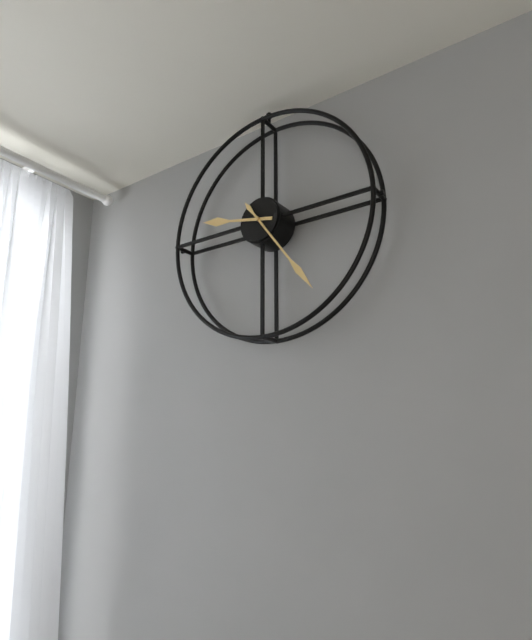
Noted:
9,24
